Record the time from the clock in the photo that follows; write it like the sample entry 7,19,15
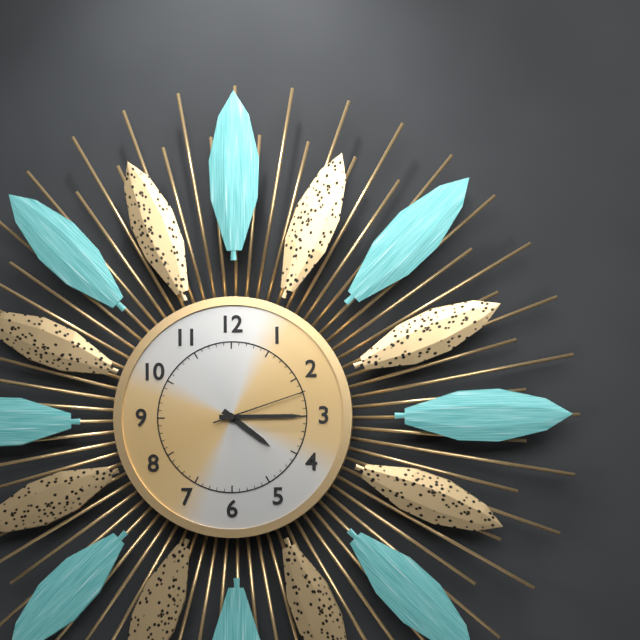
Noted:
4,15,12
